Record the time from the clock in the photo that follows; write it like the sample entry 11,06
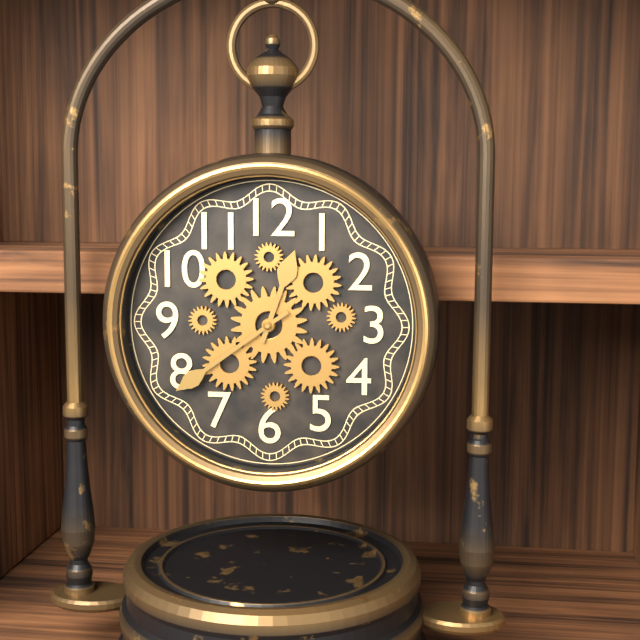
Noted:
12,39
